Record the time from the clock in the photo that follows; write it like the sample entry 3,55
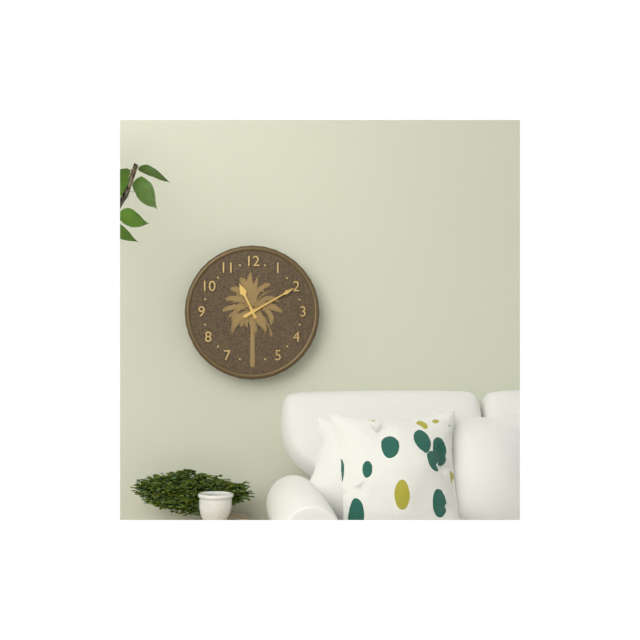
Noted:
11,10
